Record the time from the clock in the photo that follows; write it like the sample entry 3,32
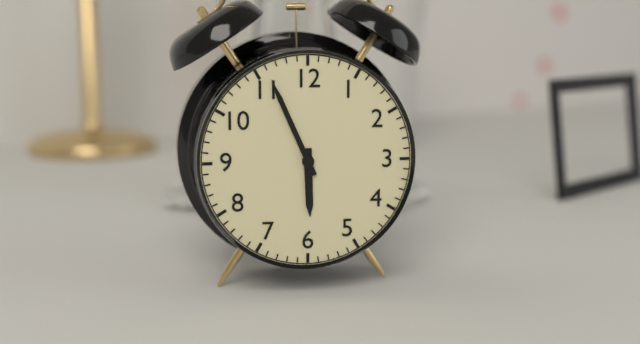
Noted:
5,56
